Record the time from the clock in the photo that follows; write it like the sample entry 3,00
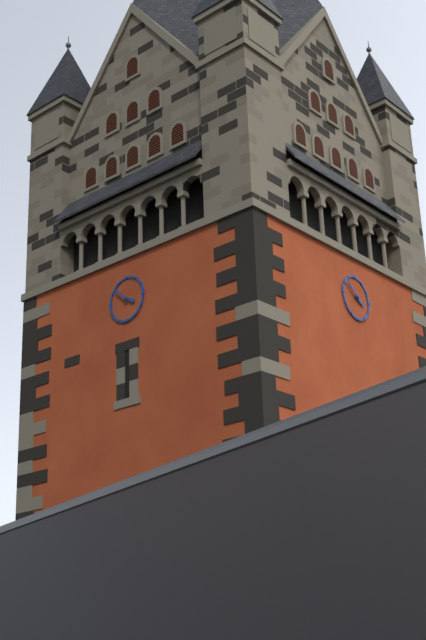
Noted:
3,52
